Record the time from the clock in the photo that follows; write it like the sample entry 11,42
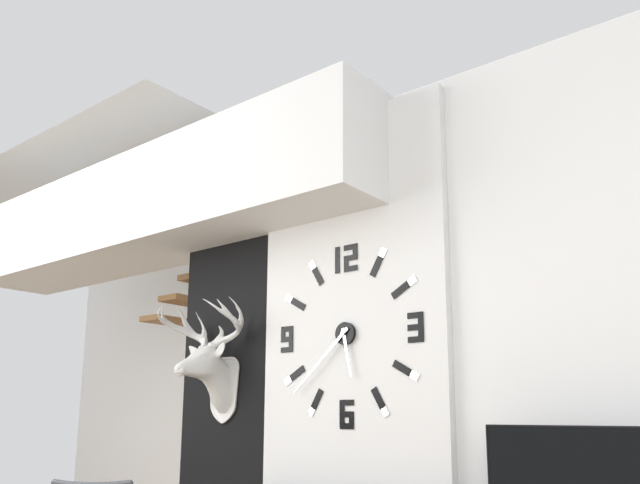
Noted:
5,38
